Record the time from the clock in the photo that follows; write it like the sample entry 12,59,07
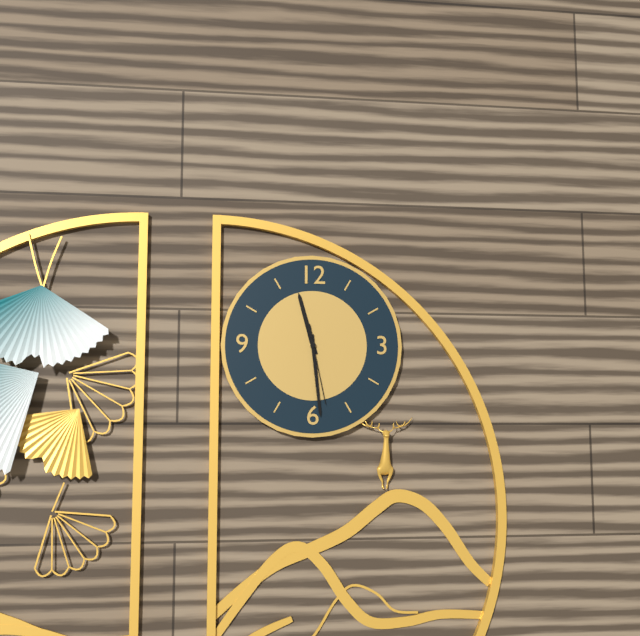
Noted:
11,29,28
